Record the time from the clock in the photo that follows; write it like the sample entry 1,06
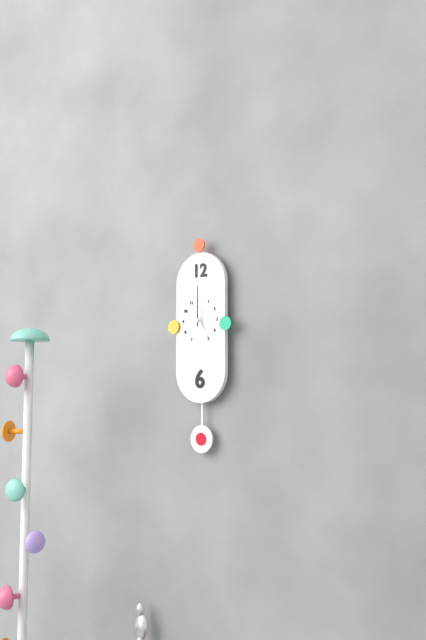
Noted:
5,00
